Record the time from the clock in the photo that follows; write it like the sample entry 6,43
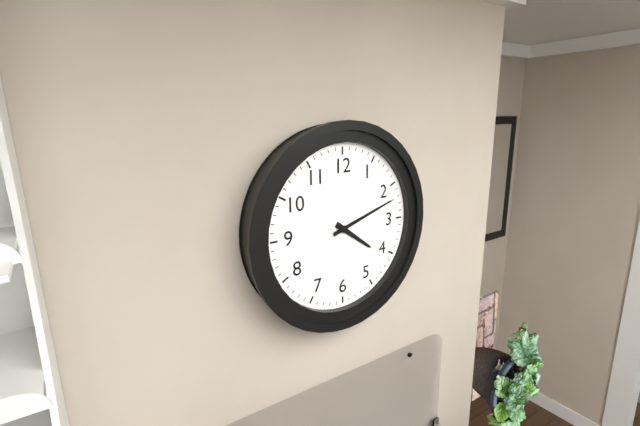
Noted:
4,12
